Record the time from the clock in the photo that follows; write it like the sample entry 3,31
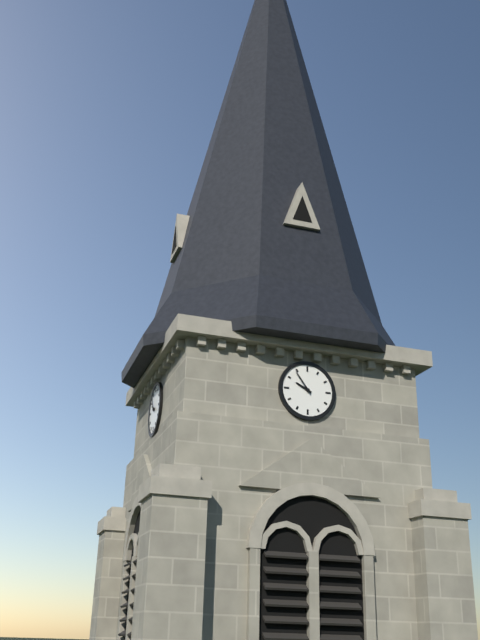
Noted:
9,54
